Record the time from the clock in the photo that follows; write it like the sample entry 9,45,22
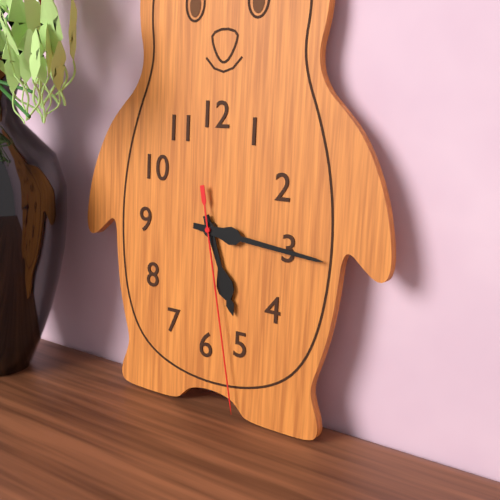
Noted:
5,16,28
